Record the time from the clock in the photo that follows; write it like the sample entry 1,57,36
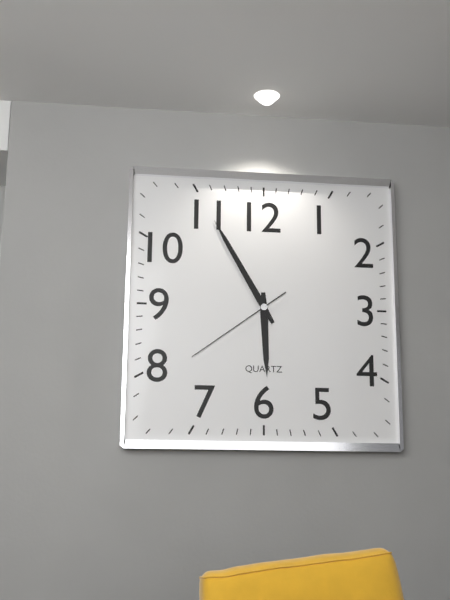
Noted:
5,55,39
